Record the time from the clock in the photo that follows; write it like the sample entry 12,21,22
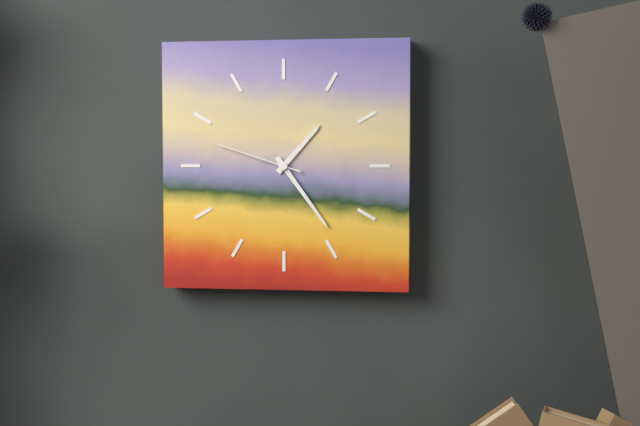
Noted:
1,24,48
